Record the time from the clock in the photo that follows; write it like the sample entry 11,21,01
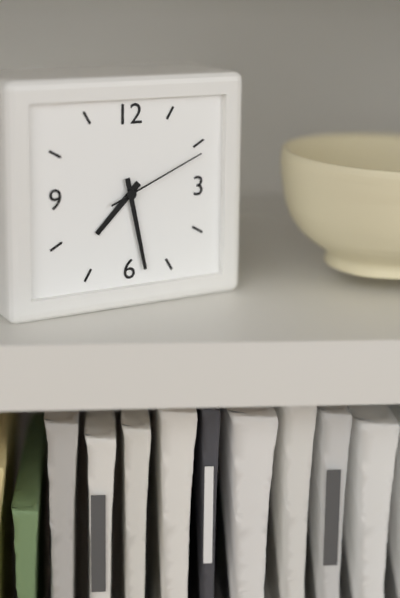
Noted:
7,28,11
